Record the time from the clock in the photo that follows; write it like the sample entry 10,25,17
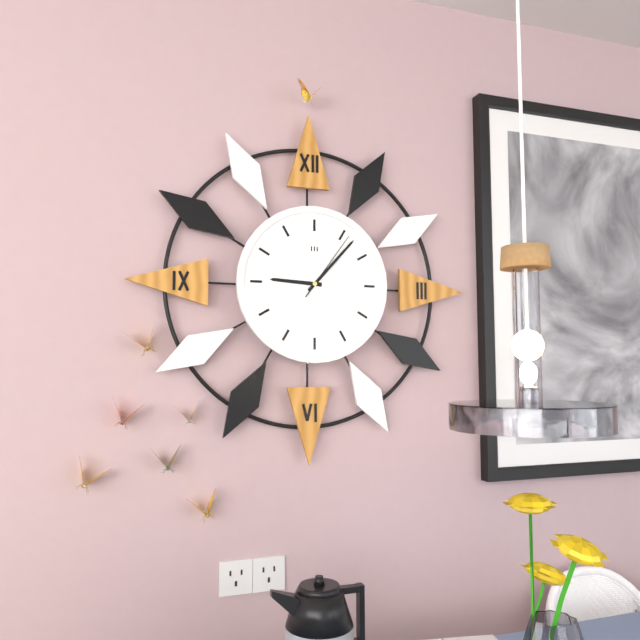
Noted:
9,07,06
